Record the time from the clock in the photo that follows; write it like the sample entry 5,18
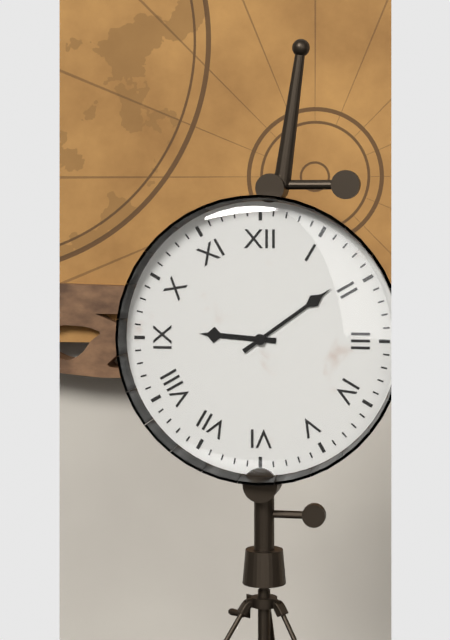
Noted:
9,09
